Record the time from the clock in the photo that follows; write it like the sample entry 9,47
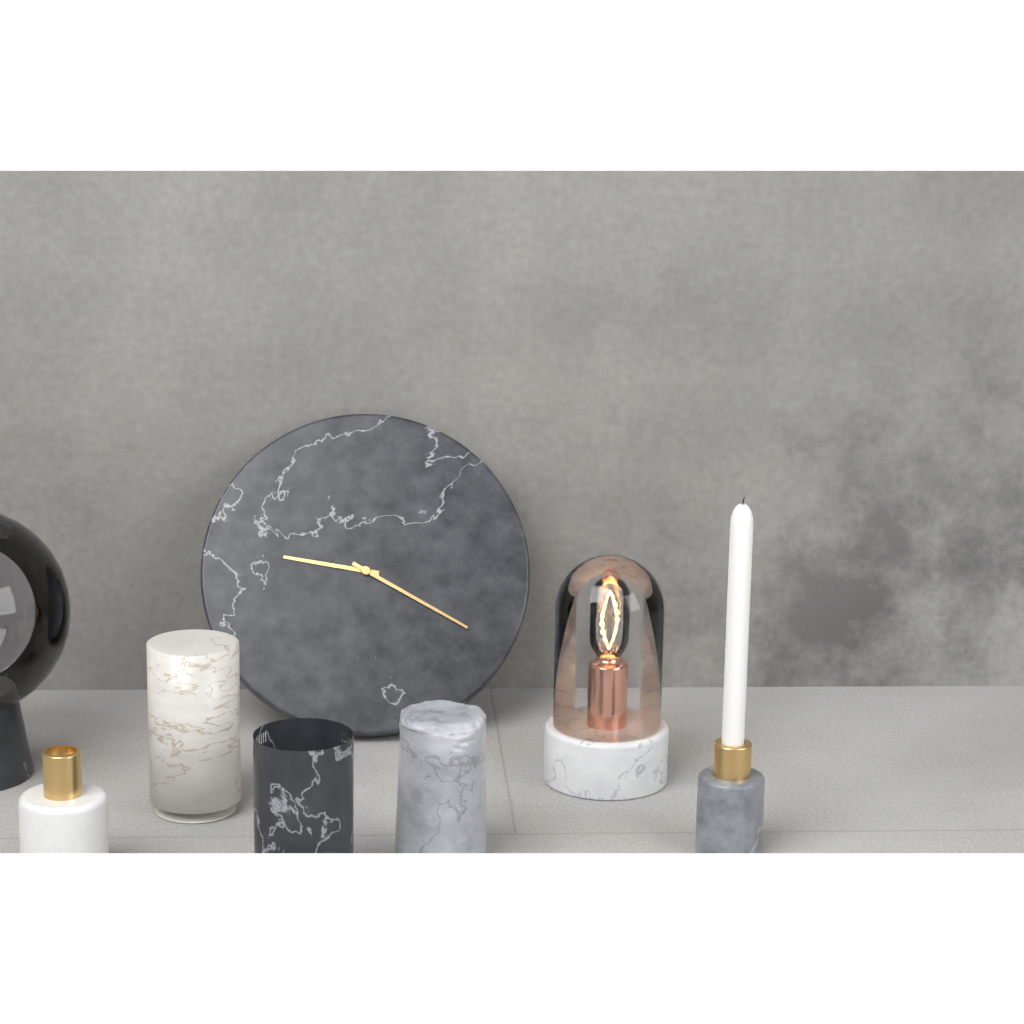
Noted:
9,20
